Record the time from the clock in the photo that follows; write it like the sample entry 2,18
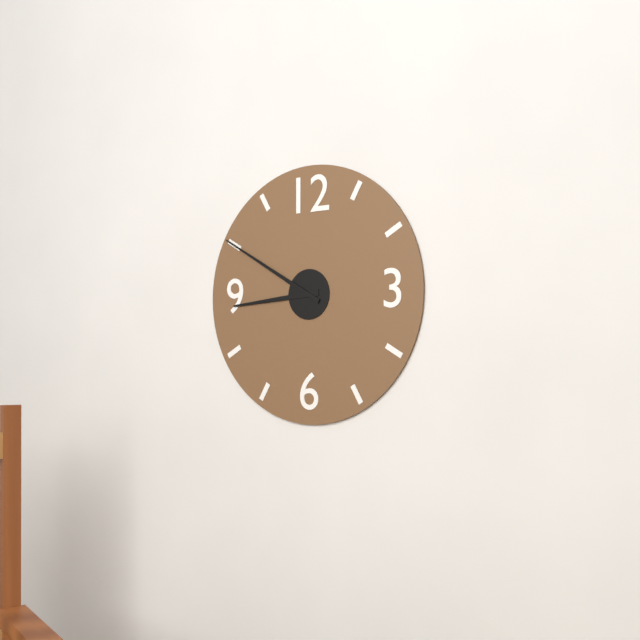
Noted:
8,50
